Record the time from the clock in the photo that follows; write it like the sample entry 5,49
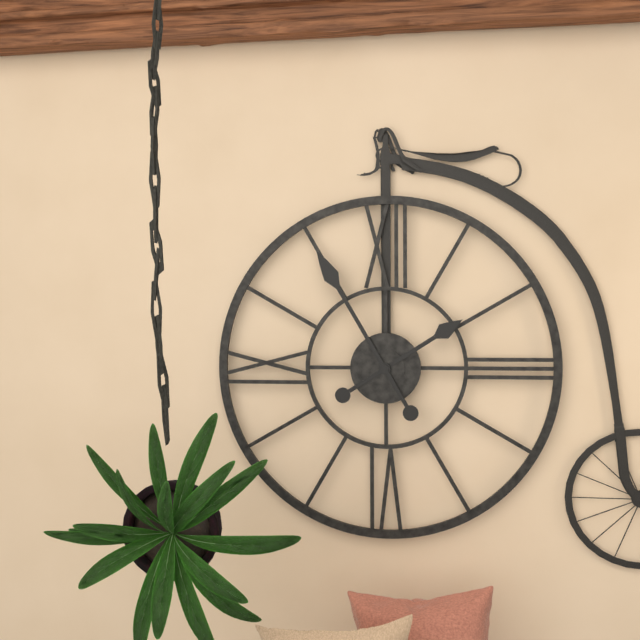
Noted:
1,55
